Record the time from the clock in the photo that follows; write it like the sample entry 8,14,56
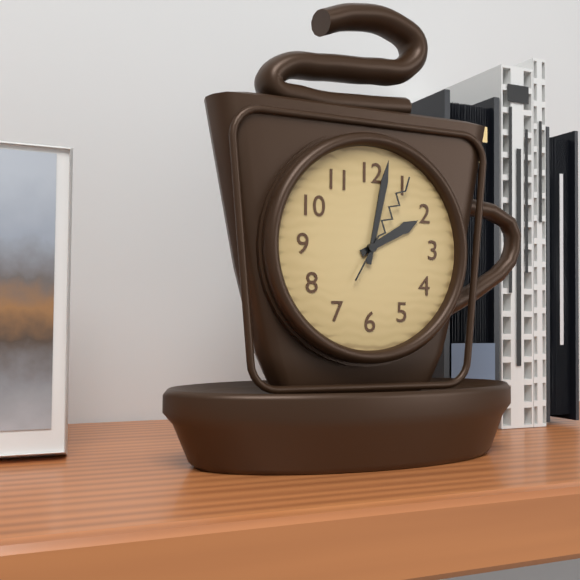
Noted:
2,02,05
